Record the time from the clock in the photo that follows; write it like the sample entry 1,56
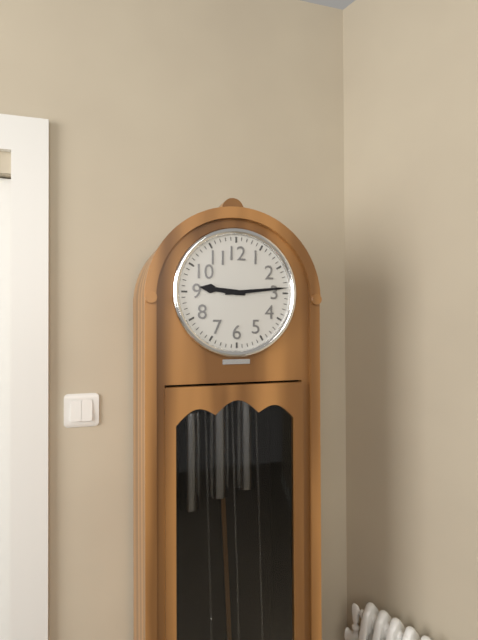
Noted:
9,14
